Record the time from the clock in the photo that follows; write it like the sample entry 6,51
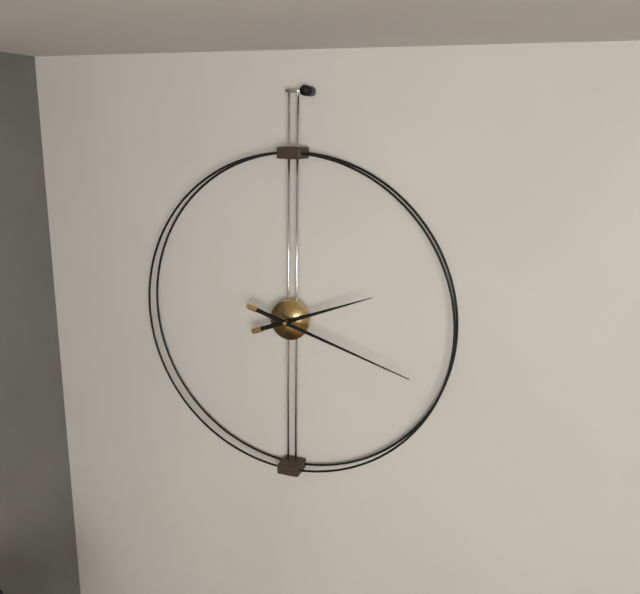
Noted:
2,18
